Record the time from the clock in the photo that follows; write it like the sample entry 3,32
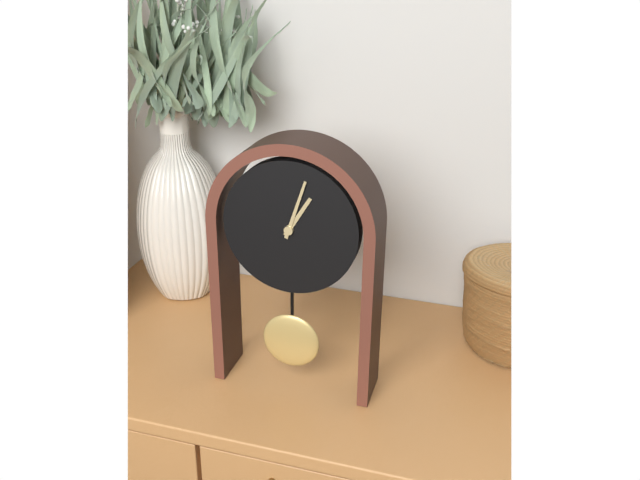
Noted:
1,03
